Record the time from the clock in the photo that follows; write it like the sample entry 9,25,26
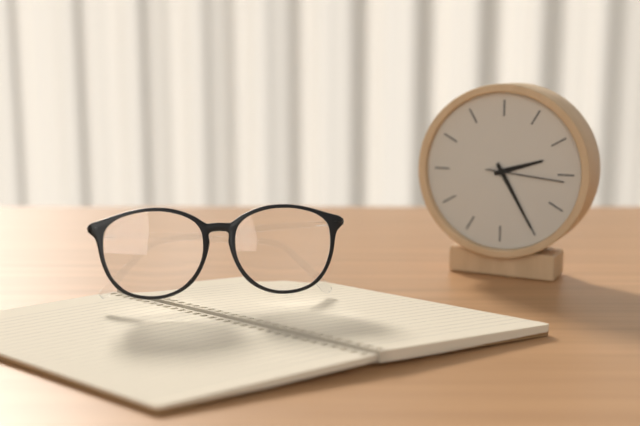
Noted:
2,25,16
